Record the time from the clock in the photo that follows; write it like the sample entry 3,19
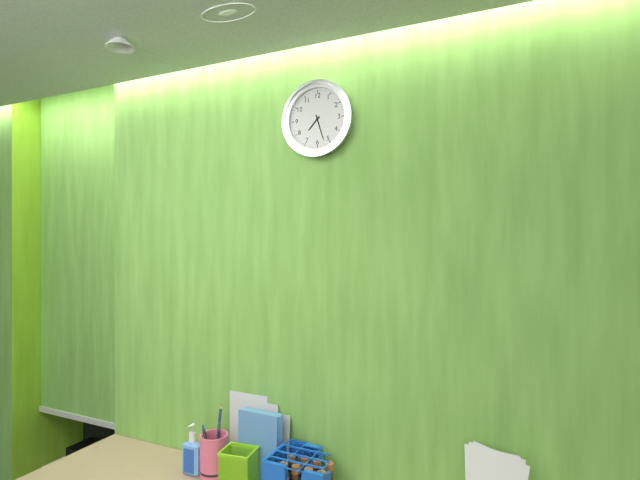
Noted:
7,27
